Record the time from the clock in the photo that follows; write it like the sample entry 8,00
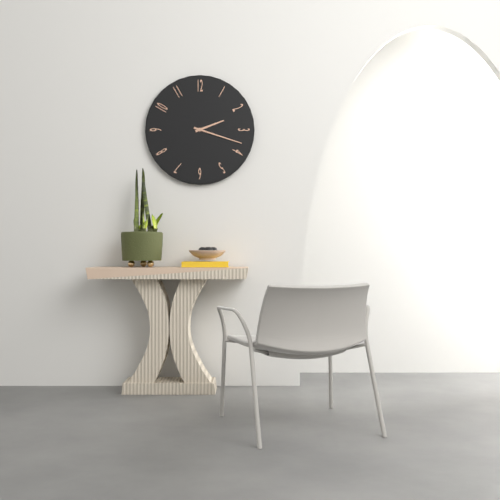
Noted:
2,18
